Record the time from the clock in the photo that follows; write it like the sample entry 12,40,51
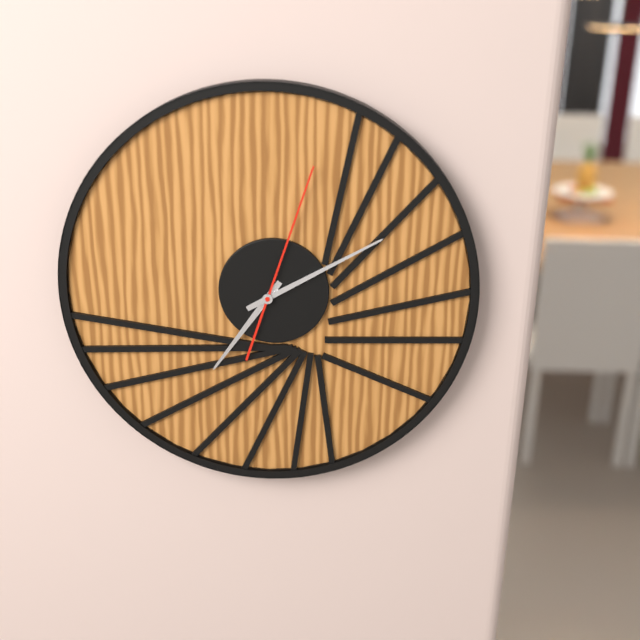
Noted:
7,10,03
